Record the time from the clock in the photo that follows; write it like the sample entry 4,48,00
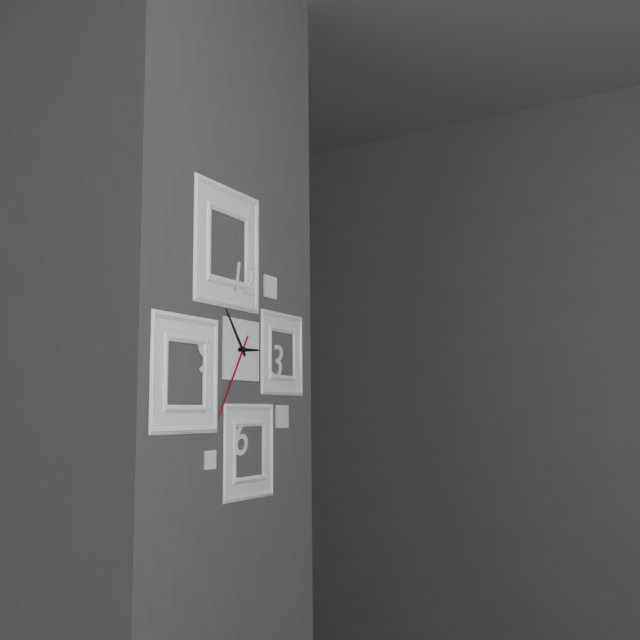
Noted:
2,54,35
